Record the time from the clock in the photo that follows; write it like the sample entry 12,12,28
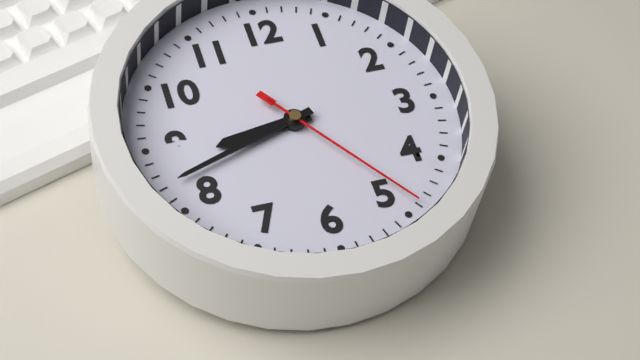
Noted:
8,42,24
